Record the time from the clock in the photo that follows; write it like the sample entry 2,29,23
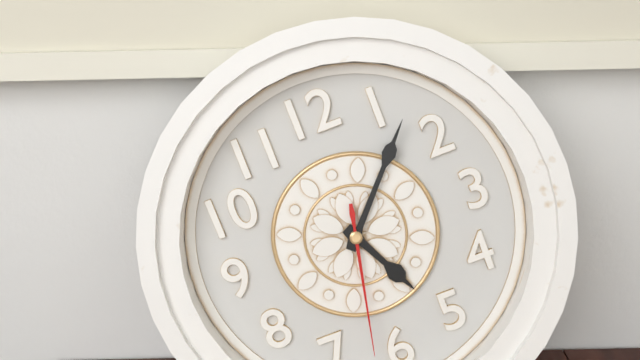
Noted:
5,07,32
